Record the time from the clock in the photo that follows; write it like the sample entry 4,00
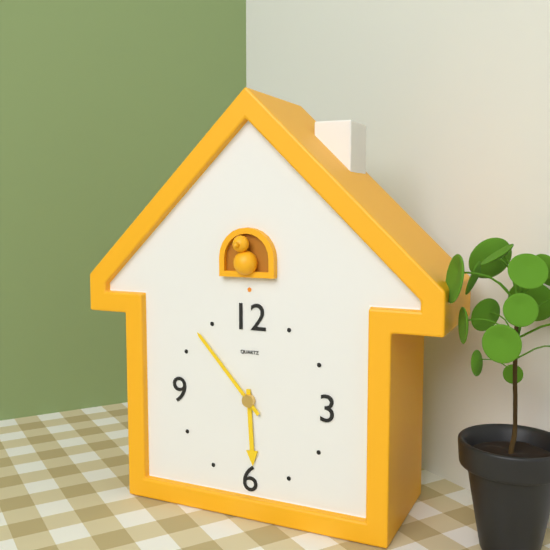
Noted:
5,53
